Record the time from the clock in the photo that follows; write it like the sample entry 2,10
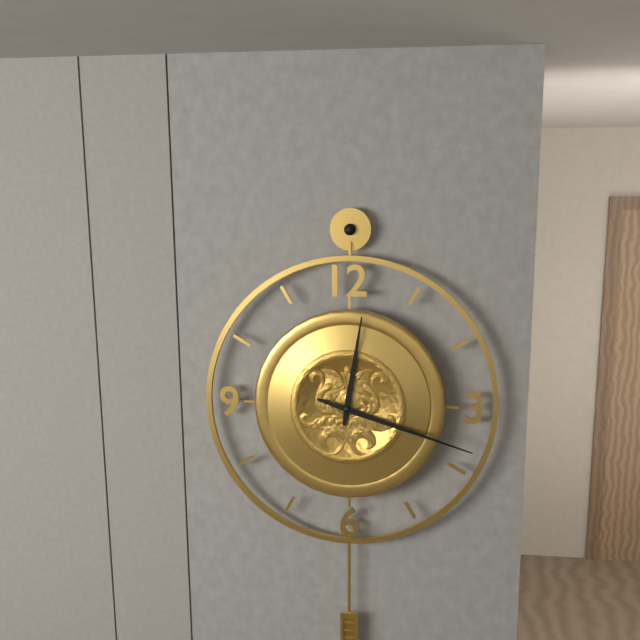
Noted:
12,18
